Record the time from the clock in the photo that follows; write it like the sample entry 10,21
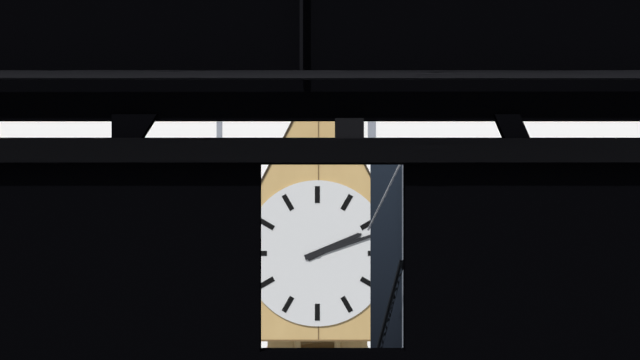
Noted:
2,12
